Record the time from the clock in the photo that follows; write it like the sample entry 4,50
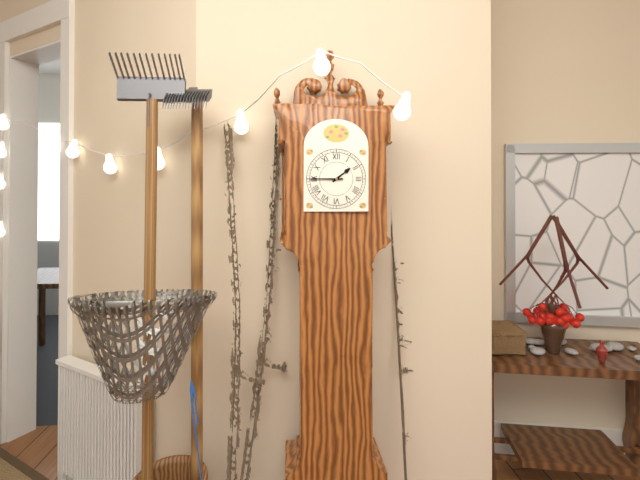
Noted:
1,45
